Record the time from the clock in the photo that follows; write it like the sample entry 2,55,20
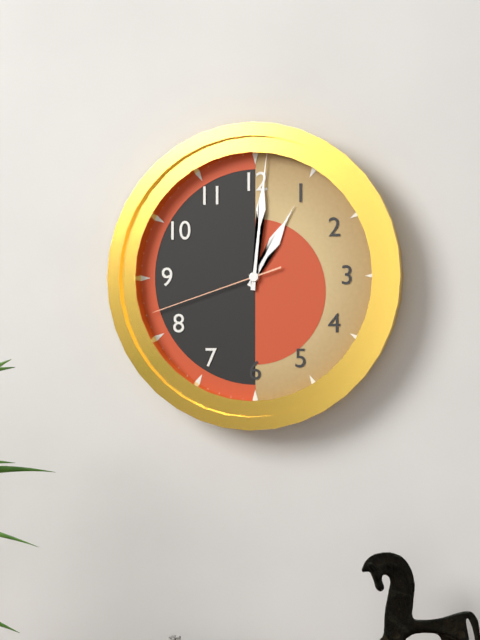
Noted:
1,01,42
